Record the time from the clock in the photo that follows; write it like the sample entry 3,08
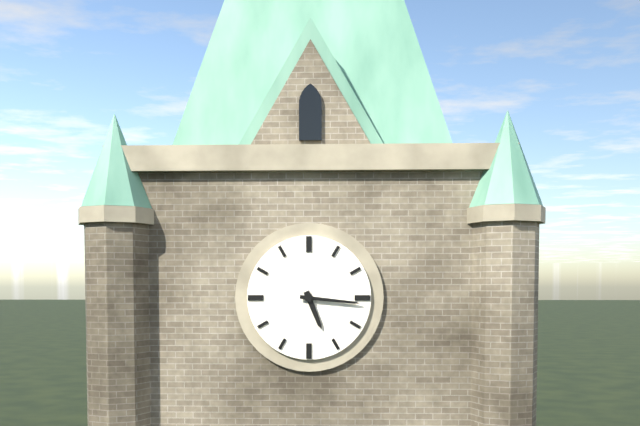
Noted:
5,16
